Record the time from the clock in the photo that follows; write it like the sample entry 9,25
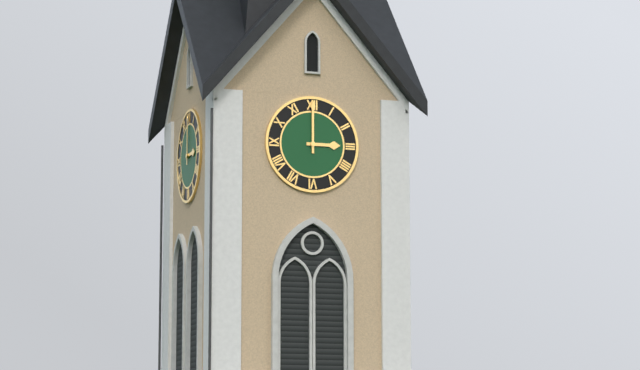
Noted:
3,00
